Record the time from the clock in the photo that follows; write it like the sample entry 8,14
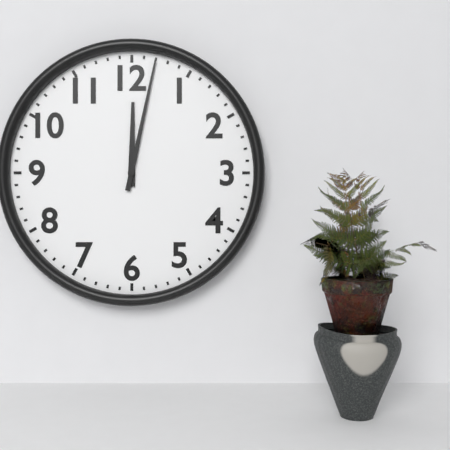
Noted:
12,02
